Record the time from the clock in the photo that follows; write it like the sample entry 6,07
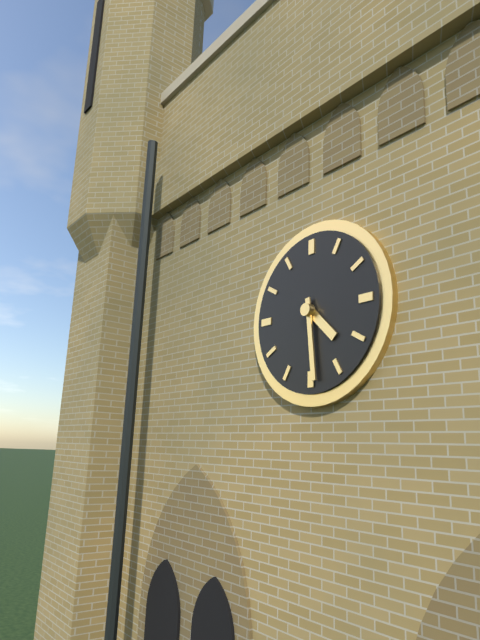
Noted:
4,29
